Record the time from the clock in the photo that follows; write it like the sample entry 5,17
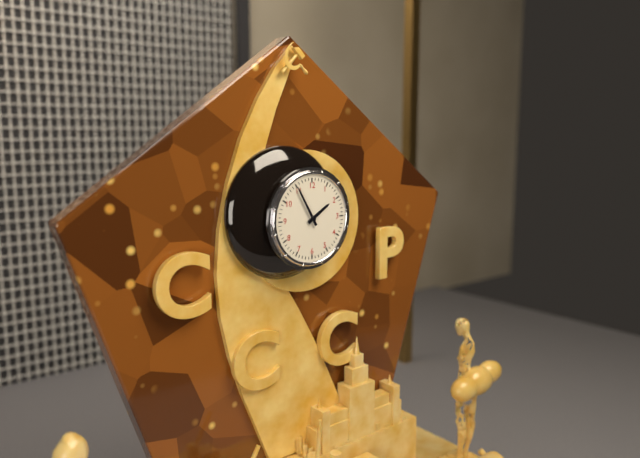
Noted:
1,55
